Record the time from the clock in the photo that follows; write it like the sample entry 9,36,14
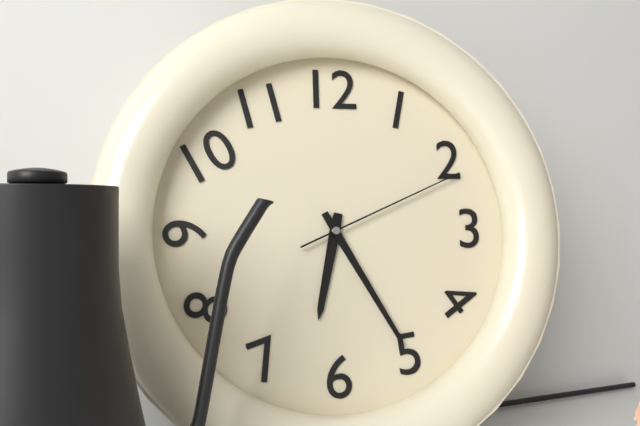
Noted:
6,25,11
